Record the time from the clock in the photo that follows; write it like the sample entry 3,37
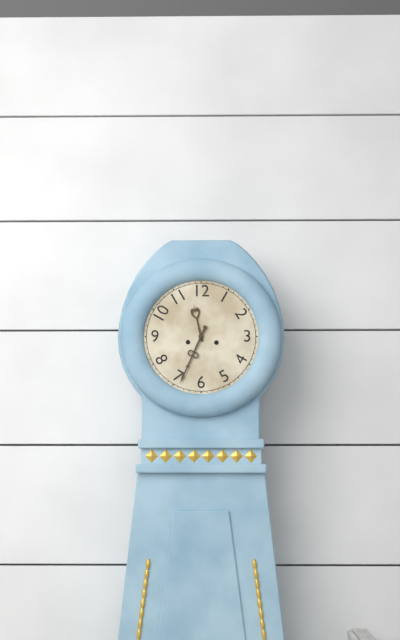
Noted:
11,34
